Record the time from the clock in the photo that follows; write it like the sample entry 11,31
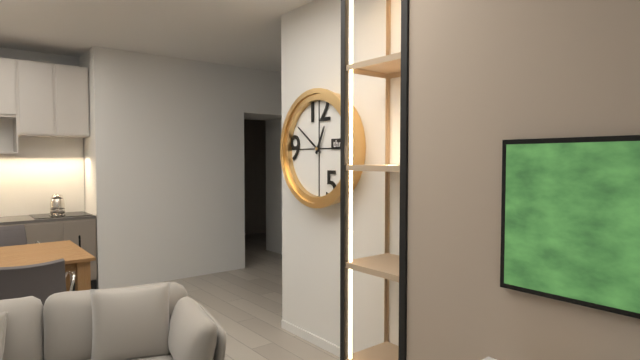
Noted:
12,51
